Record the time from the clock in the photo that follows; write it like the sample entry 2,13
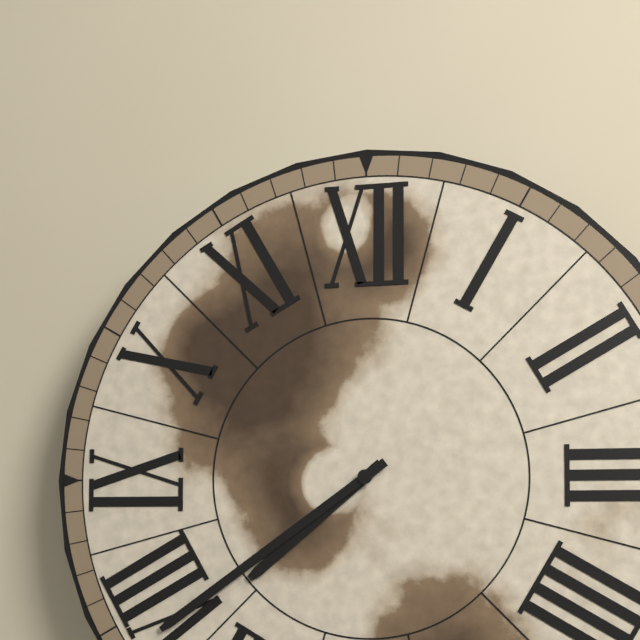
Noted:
7,39
